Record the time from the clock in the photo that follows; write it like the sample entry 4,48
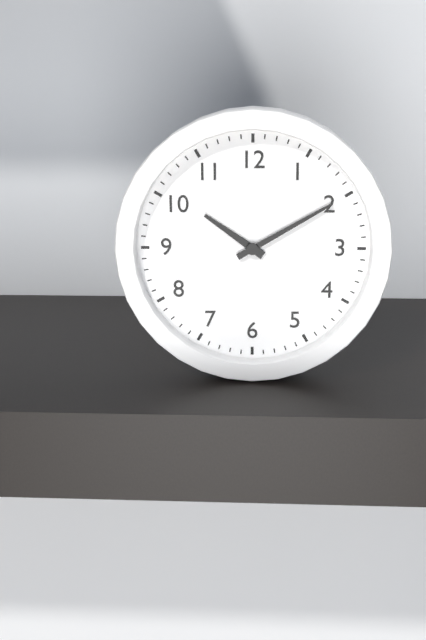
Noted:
10,10
